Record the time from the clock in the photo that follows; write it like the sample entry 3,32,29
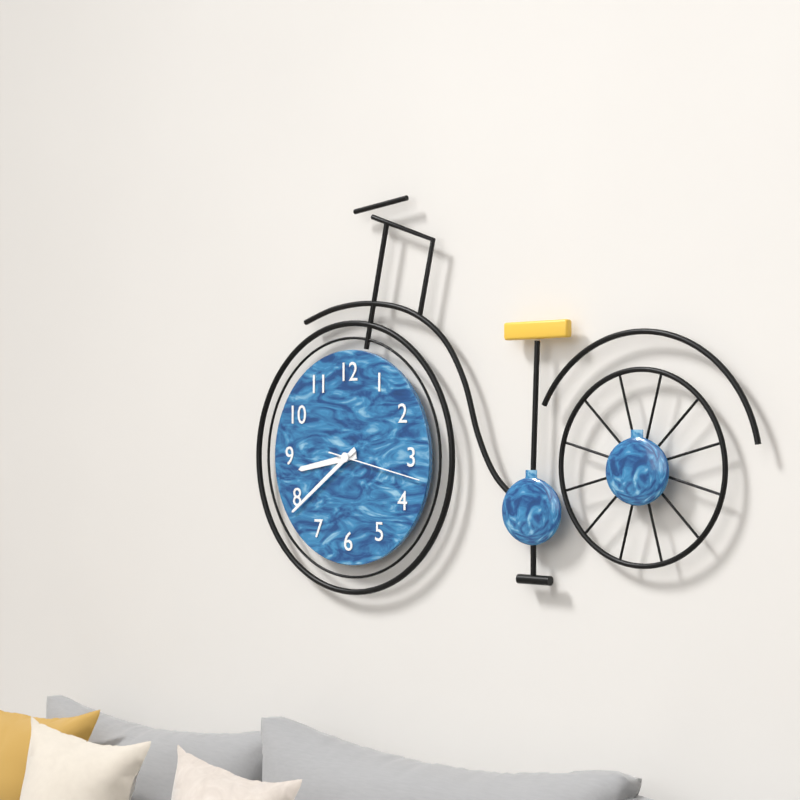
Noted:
8,39,17
